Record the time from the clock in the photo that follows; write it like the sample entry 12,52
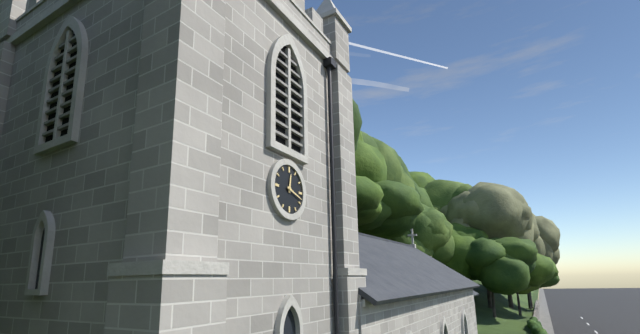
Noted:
12,18
